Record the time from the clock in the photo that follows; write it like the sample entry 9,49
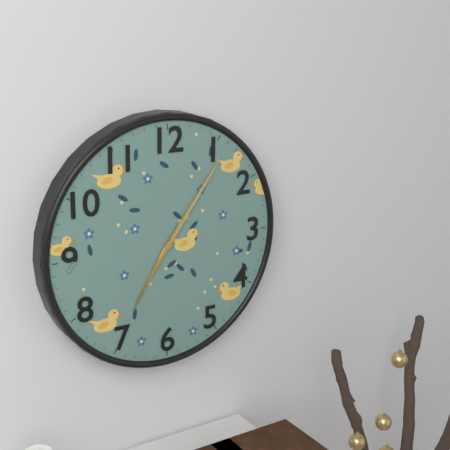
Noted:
7,06
